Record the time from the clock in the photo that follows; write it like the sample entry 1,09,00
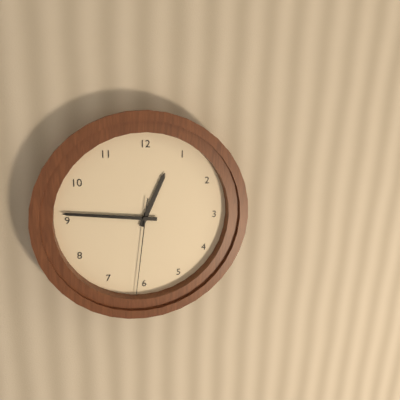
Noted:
12,46,31
